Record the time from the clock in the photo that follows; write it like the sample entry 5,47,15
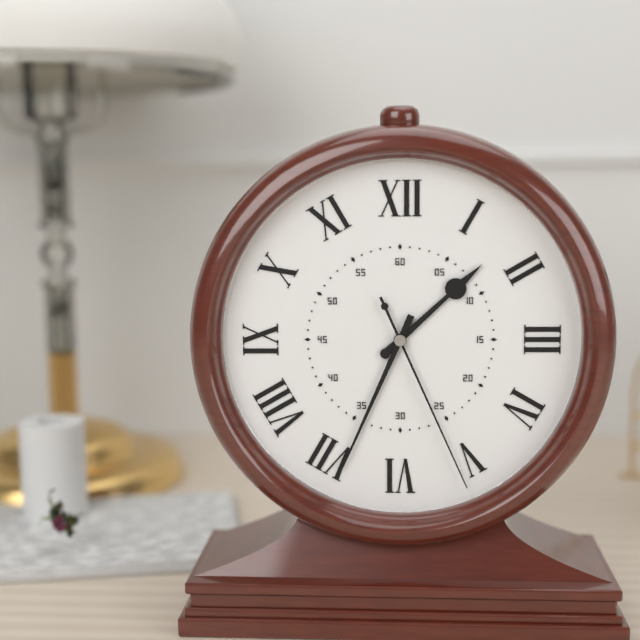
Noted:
1,34,26
